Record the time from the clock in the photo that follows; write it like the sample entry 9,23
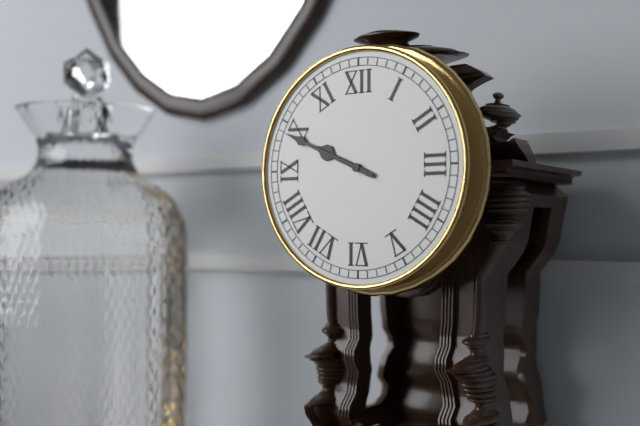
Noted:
9,49
